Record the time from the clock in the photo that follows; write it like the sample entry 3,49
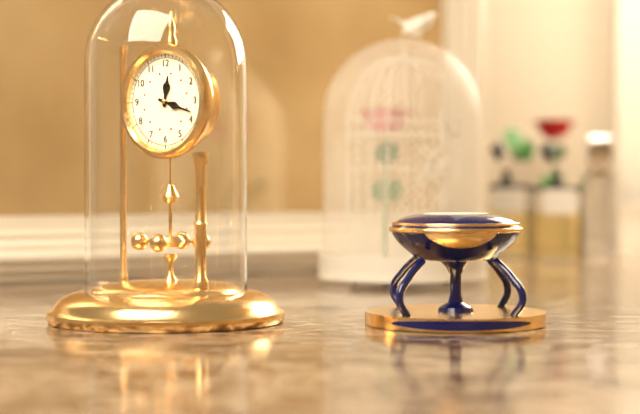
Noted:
12,18
